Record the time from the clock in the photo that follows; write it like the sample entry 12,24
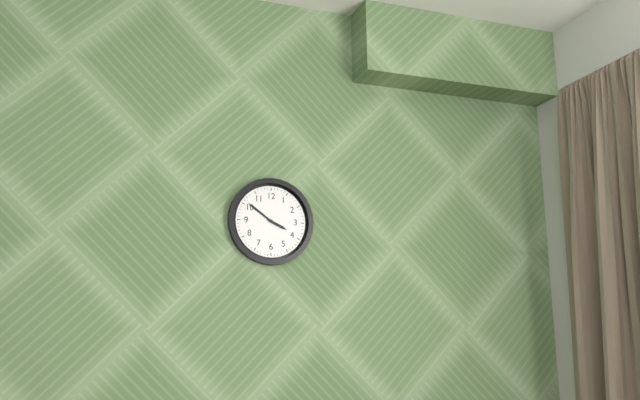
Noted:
3,51
